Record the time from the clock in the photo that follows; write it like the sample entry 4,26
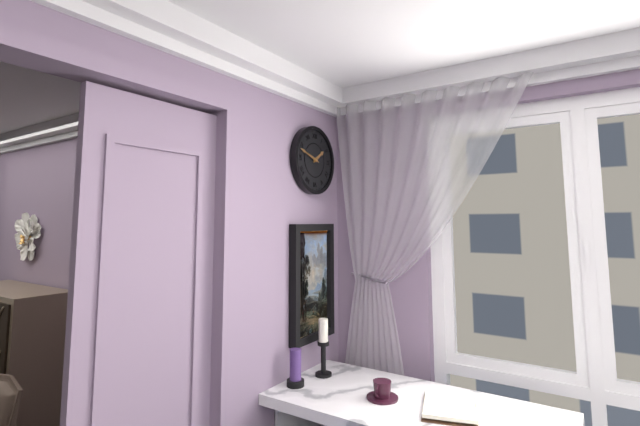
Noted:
1,48
